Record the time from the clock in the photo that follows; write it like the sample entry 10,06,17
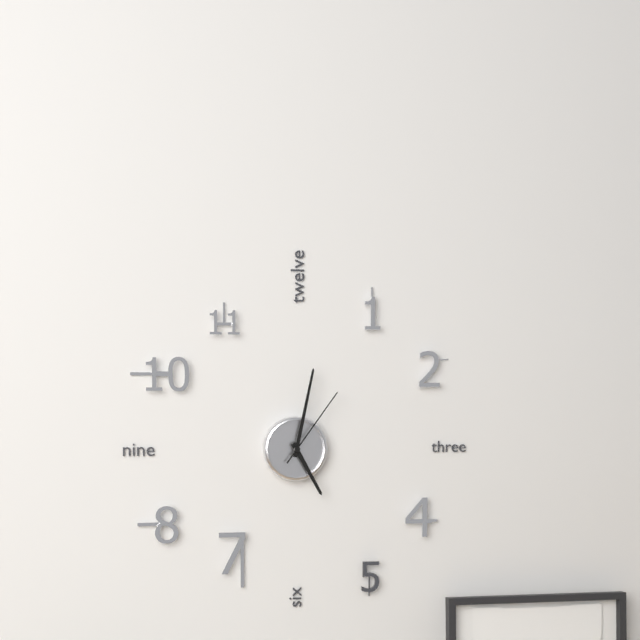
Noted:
5,02,06
